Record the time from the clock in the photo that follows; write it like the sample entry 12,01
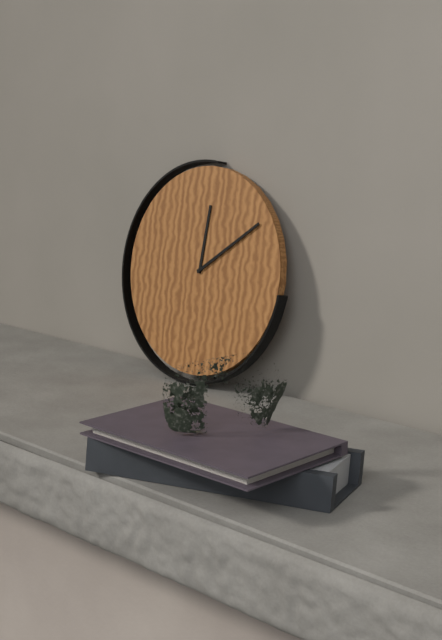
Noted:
12,09
